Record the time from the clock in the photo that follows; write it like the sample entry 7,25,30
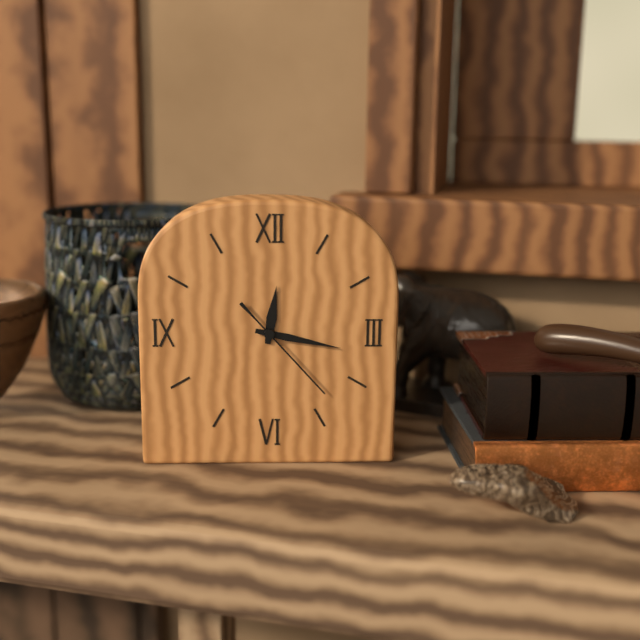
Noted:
12,17,23
